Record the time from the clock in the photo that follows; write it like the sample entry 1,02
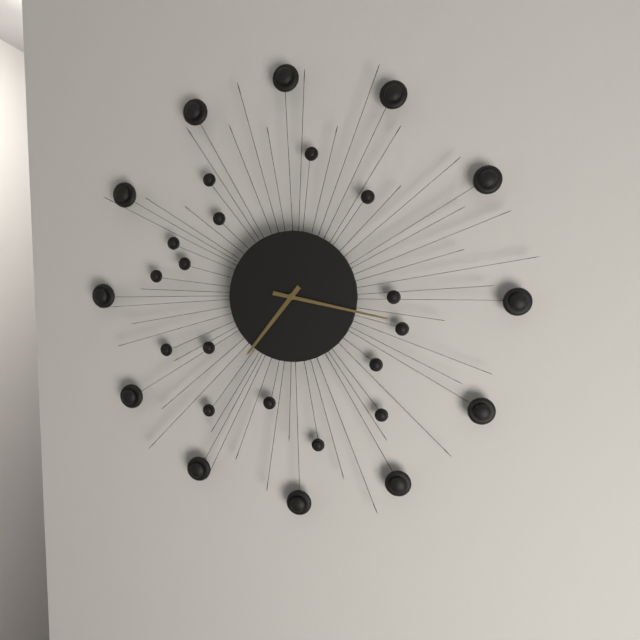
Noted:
7,17
